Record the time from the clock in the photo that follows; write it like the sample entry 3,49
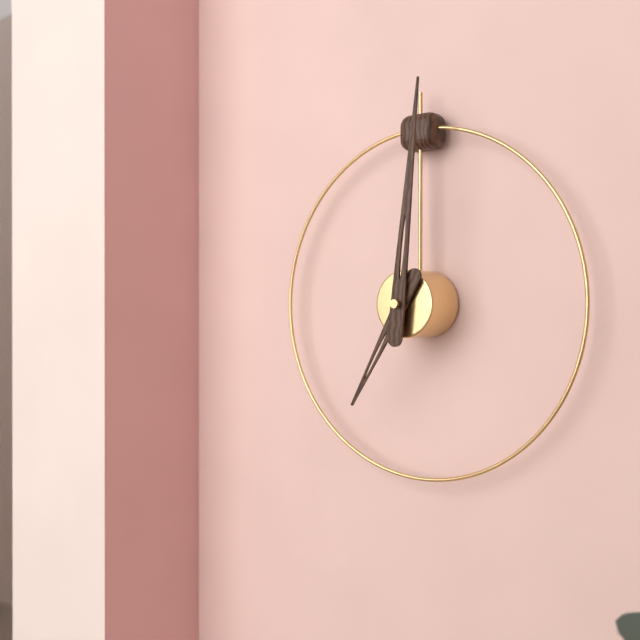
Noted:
7,01
